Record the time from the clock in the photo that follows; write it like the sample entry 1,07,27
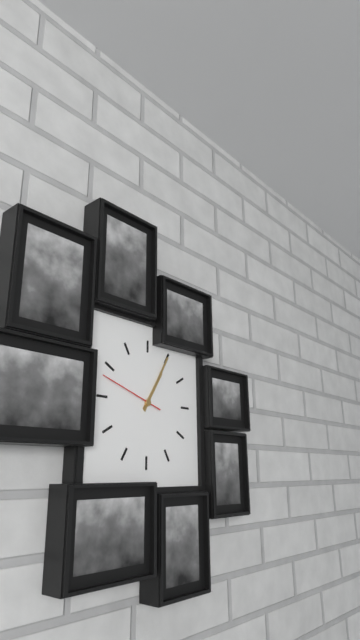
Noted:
1,05,48
